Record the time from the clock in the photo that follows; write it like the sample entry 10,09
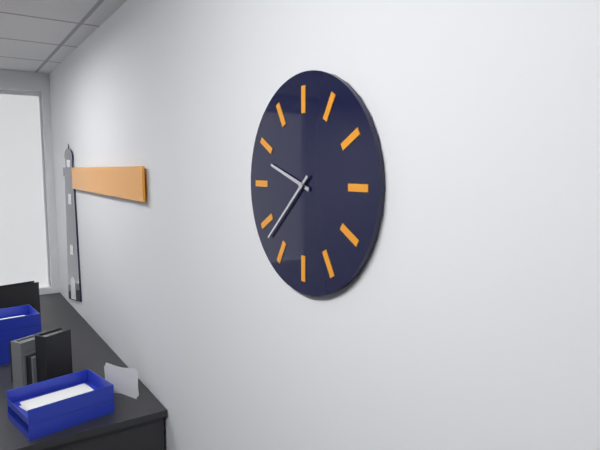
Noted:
9,38
